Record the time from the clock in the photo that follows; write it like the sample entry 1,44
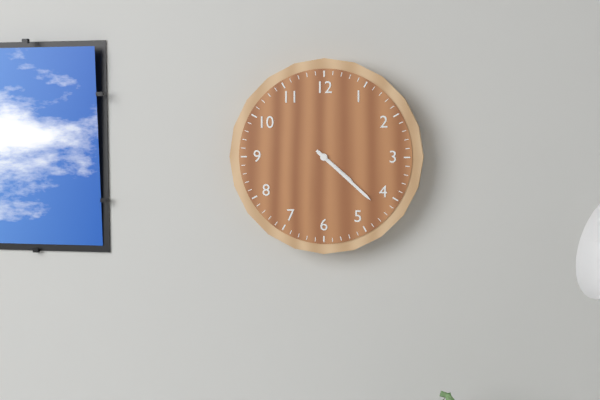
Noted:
4,22
